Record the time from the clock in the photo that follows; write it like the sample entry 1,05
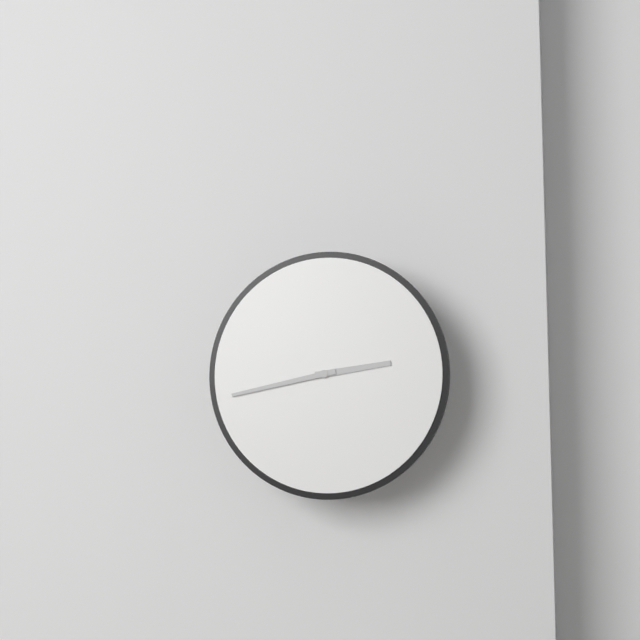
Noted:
2,43
